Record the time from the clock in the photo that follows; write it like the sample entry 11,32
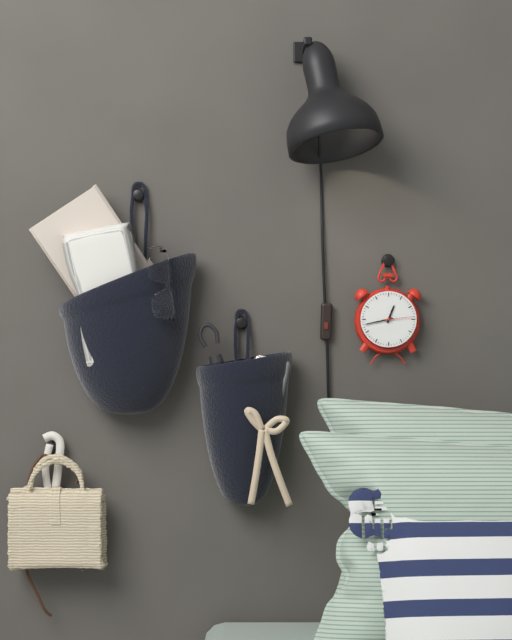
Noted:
12,43
